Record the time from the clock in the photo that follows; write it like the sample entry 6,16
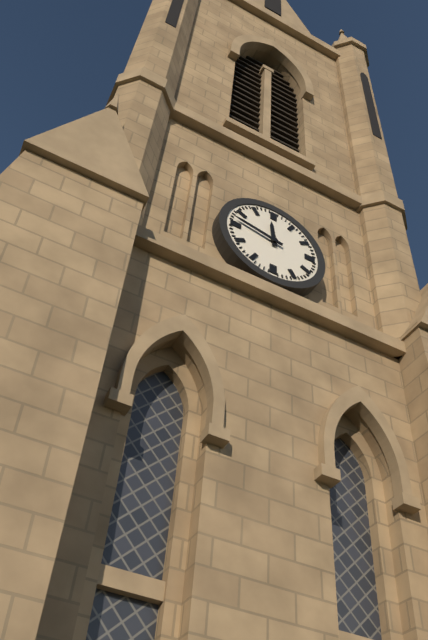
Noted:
11,47
